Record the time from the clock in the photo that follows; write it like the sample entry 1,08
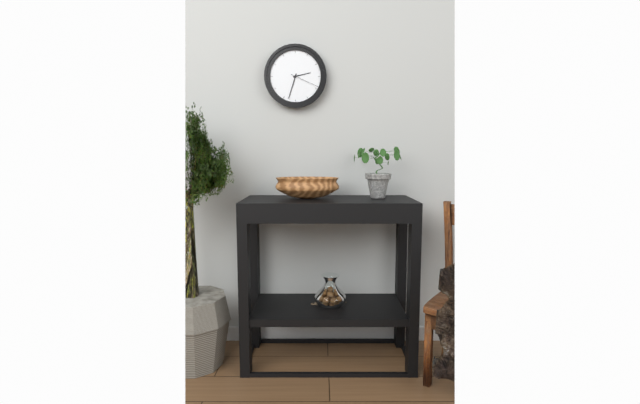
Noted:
2,33
